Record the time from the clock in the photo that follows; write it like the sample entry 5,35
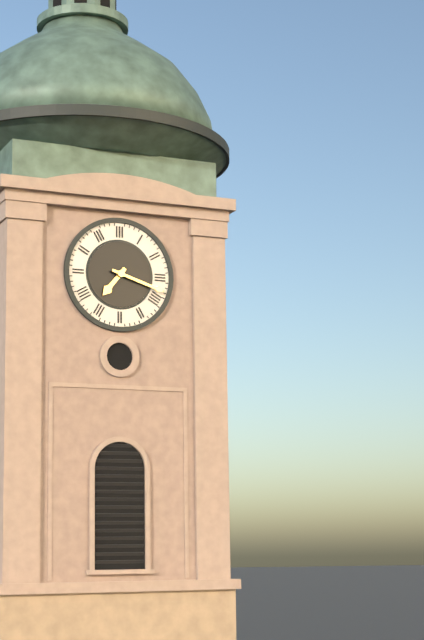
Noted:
7,18
